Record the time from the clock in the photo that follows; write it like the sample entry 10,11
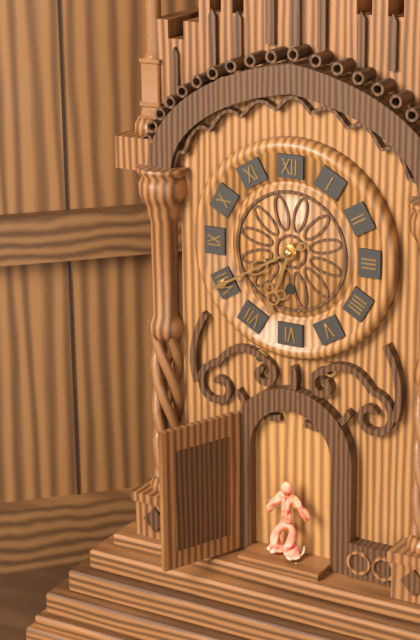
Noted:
6,40
